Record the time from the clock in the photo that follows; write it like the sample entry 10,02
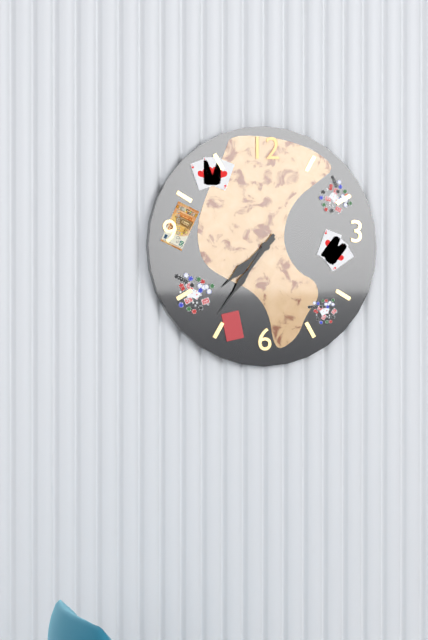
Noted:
7,36
